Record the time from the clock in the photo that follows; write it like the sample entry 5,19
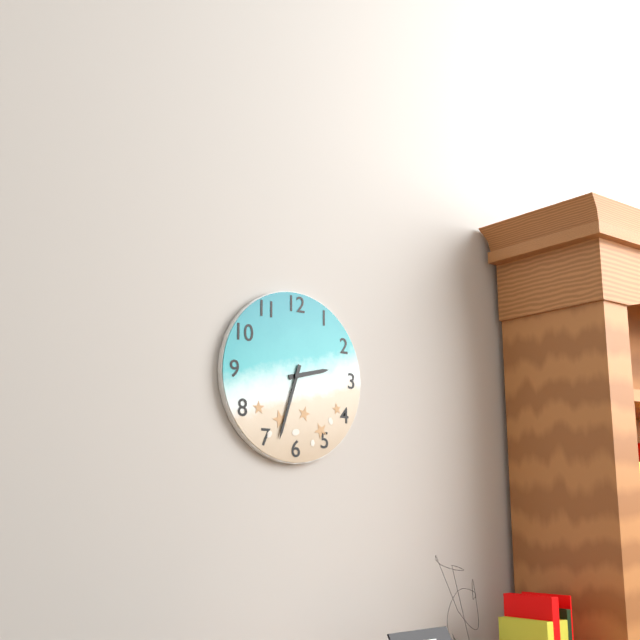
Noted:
2,33
